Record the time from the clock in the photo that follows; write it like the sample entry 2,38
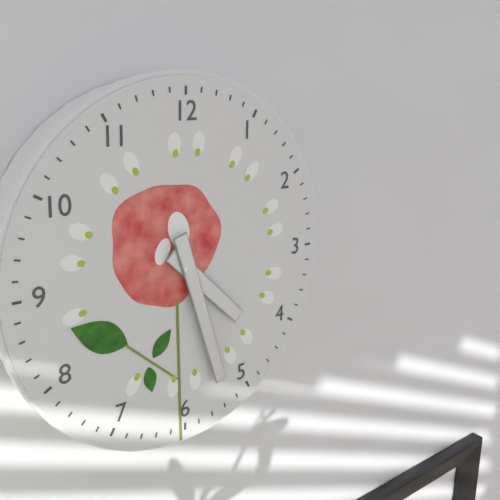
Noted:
4,27
